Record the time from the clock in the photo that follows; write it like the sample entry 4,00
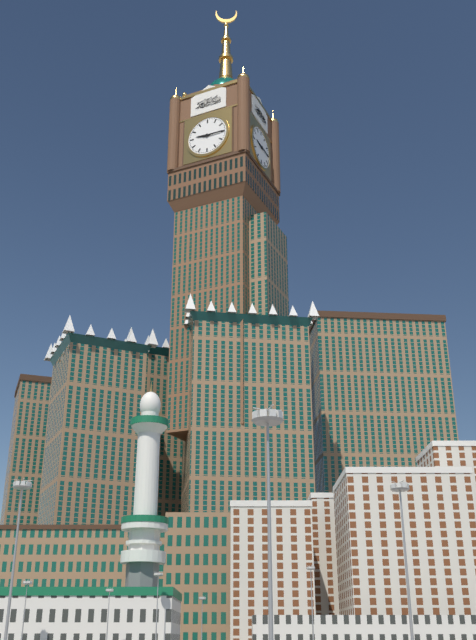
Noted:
9,15
